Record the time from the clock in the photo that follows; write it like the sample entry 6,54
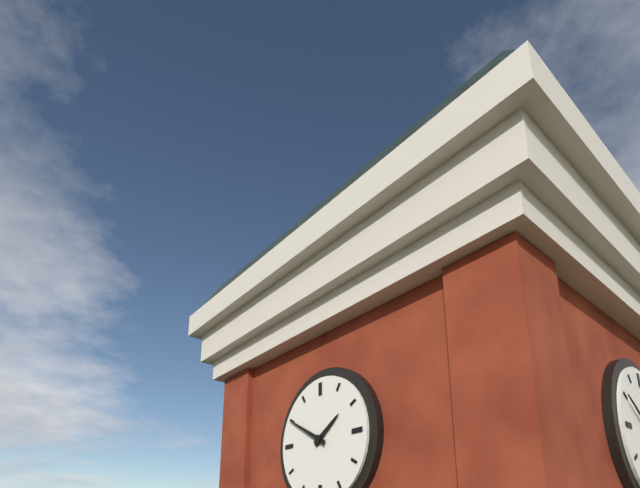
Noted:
1,50
